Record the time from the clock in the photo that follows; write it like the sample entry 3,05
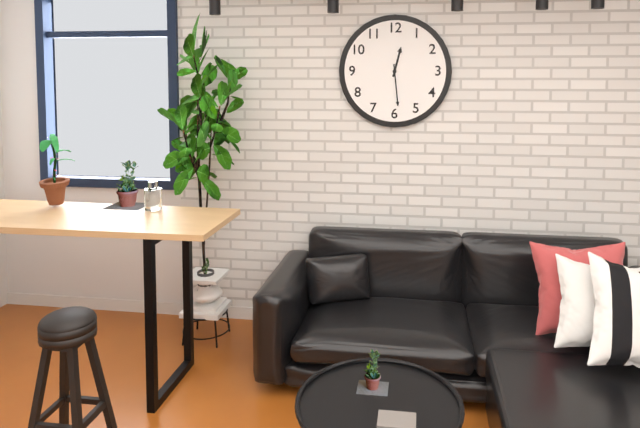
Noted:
12,29
